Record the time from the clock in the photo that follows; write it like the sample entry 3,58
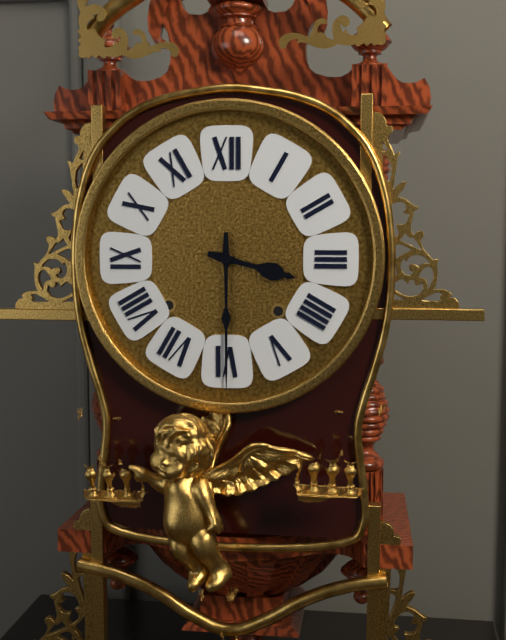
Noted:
3,30
